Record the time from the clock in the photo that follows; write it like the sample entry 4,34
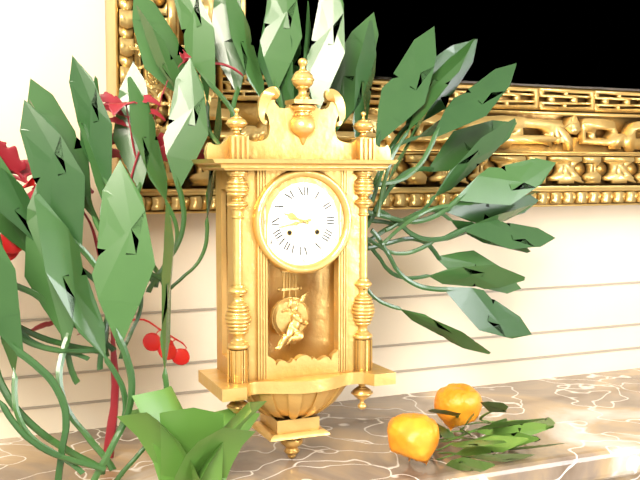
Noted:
9,43
